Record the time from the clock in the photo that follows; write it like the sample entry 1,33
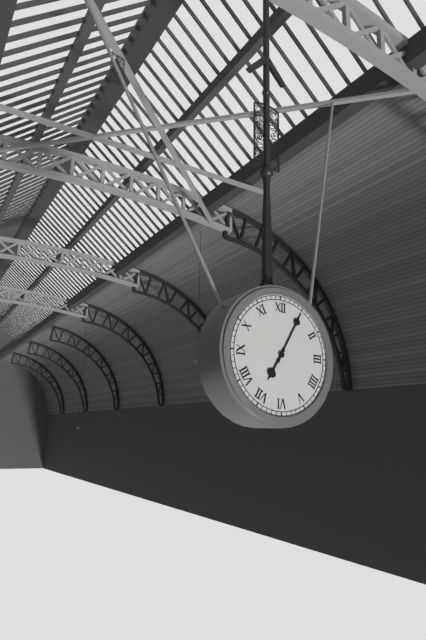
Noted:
7,05
